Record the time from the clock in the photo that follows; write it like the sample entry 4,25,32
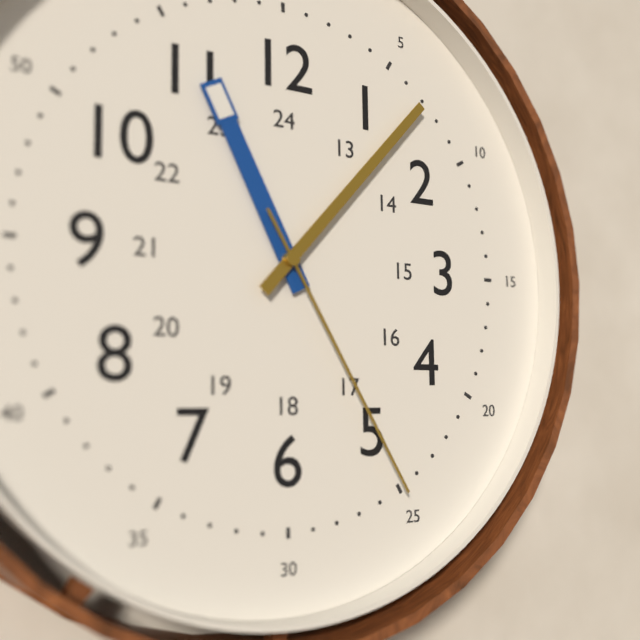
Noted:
11,07,25
